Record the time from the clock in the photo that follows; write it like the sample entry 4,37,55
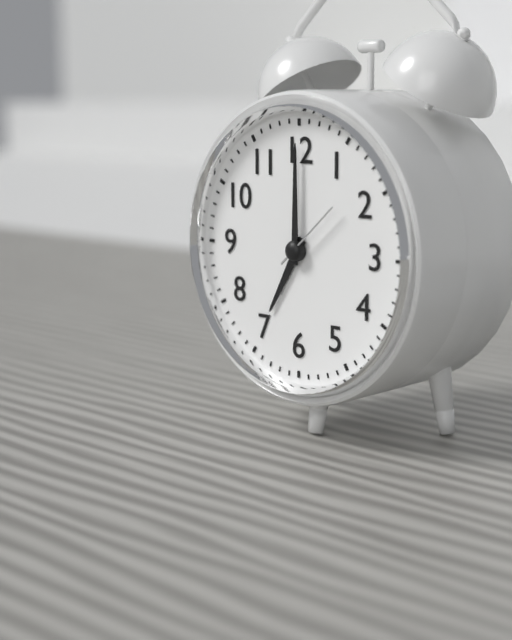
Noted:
7,00,08
